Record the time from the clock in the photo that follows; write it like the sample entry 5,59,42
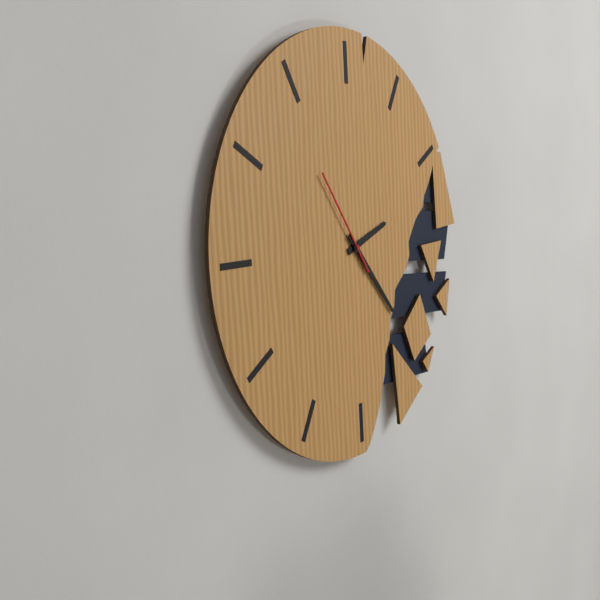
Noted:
2,23,54
